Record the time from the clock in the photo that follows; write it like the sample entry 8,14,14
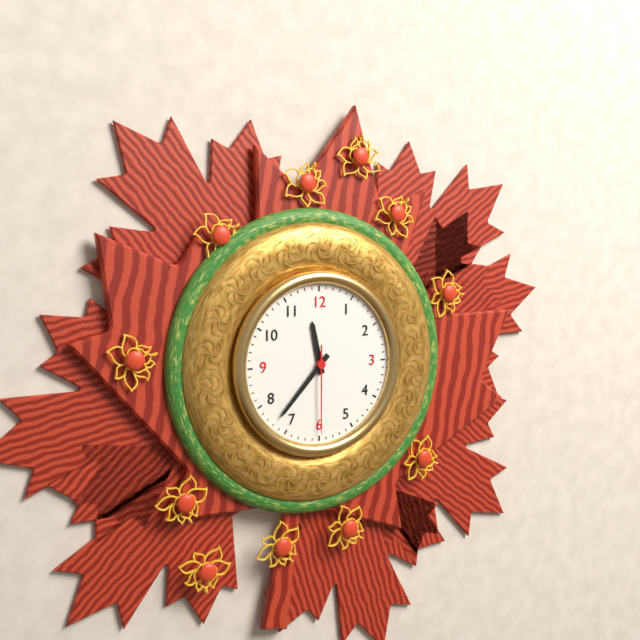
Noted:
11,37,30
